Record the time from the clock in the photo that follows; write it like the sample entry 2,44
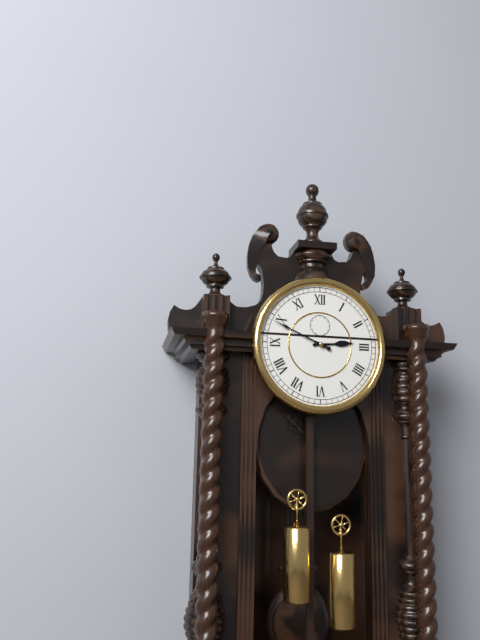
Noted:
2,49
